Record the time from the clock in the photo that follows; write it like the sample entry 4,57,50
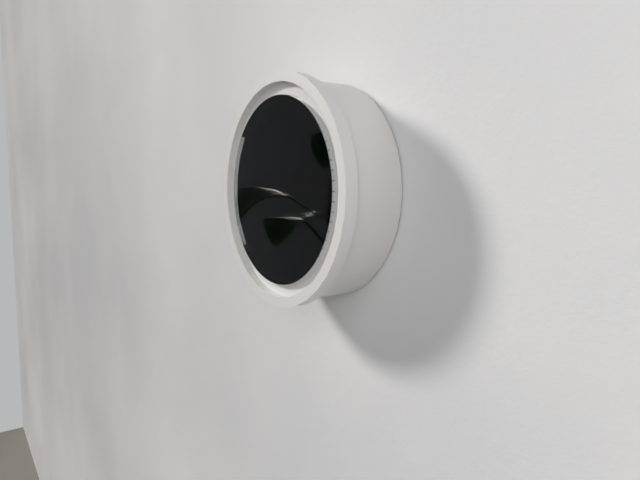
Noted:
7,15,08
